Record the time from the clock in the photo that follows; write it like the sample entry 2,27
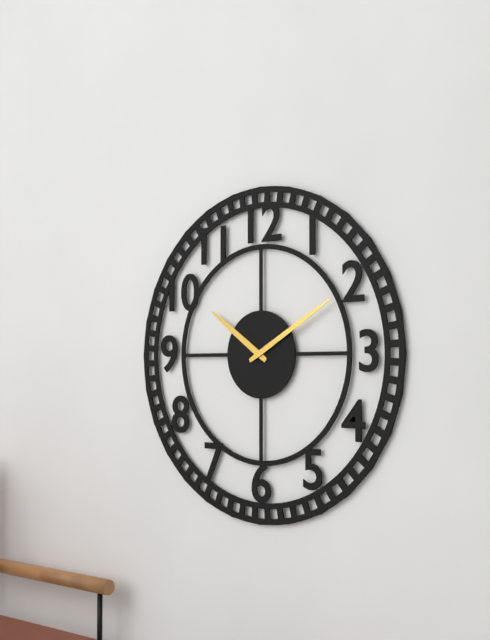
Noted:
10,10
